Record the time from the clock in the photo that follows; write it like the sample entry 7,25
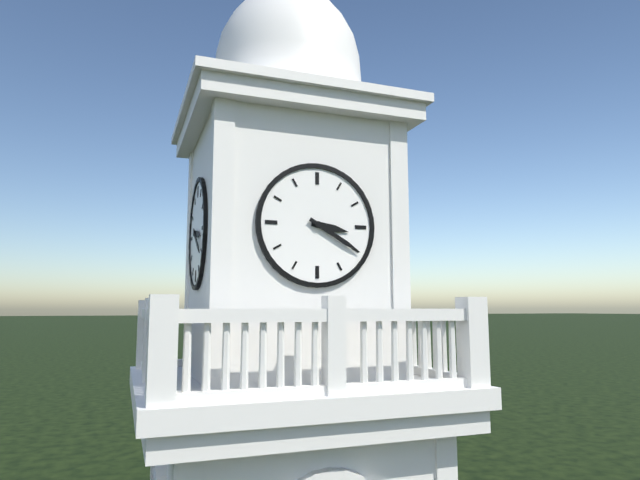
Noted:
3,20
